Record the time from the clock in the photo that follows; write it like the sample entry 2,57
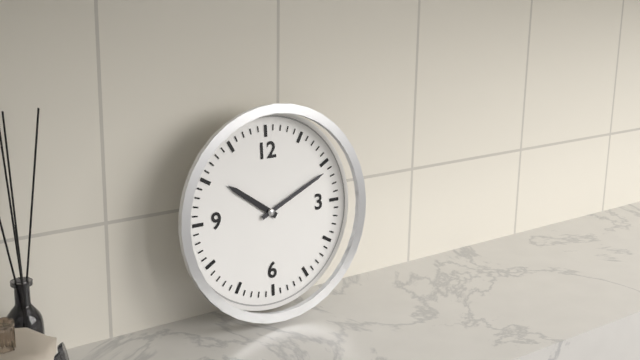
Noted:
10,11
